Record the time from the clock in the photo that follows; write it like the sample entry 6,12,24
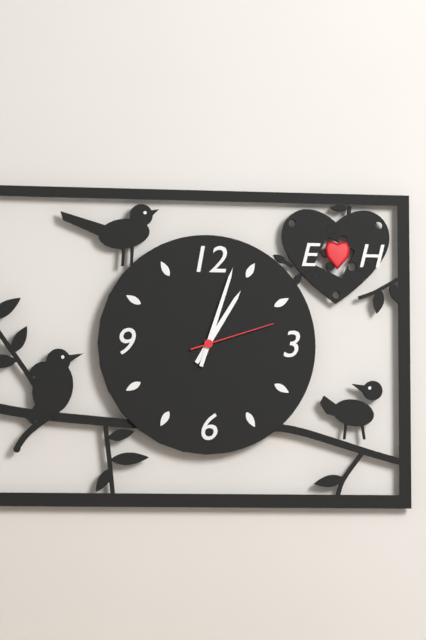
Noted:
1,03,12
